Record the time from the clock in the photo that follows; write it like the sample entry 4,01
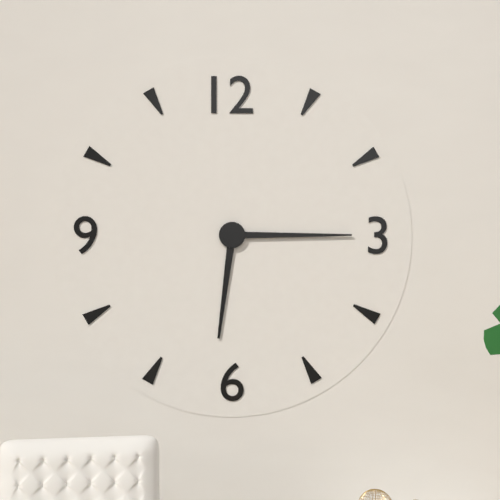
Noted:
6,15
